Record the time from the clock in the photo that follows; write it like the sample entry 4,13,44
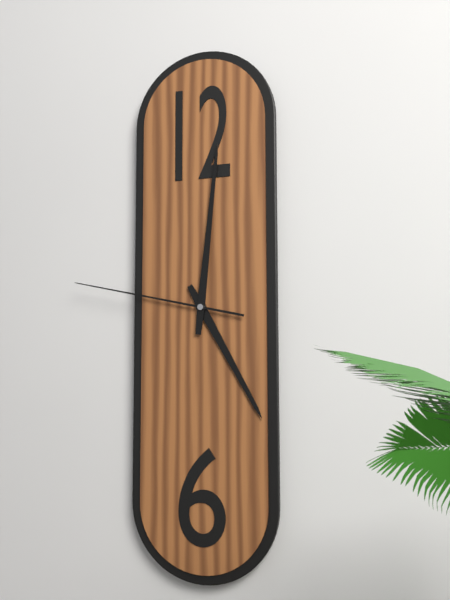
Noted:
5,01,47
